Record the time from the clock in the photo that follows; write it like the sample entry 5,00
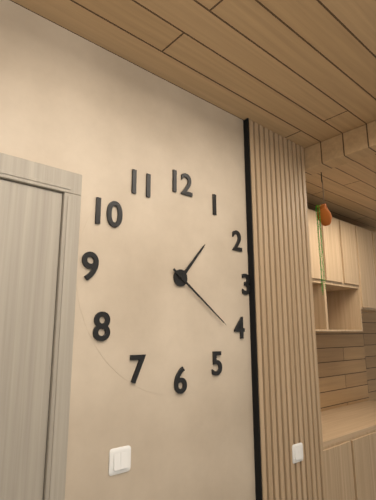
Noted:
1,21
